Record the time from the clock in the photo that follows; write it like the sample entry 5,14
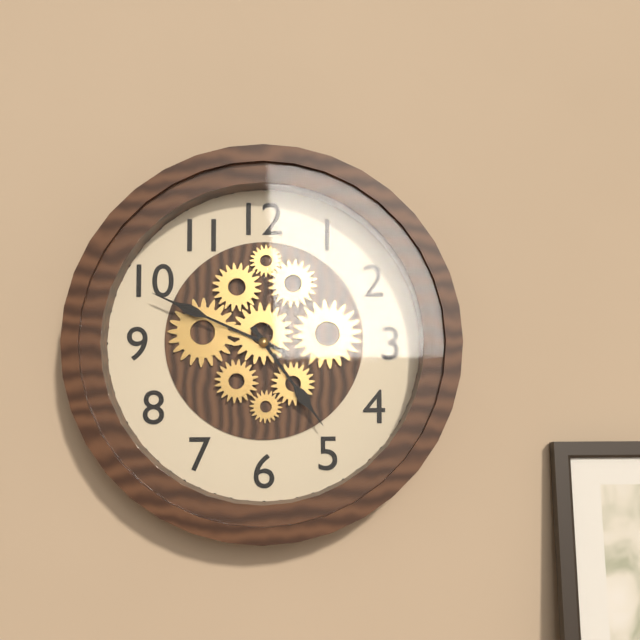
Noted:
4,49
